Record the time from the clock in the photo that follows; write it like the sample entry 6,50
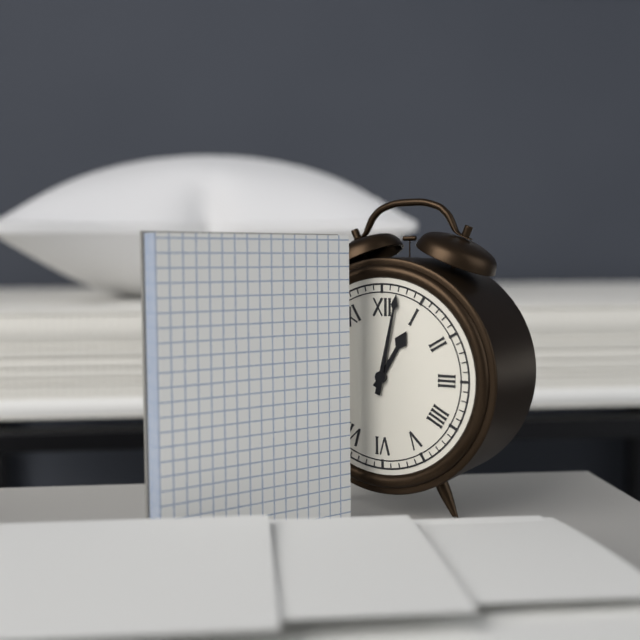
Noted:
1,02
